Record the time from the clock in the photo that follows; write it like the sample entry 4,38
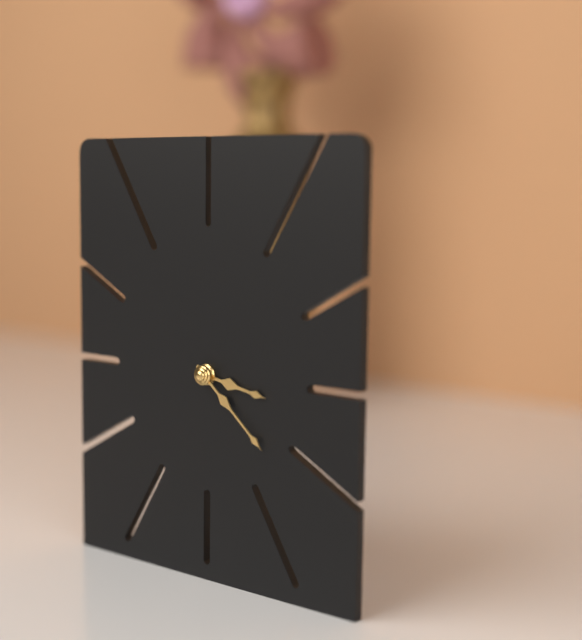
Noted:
3,22
